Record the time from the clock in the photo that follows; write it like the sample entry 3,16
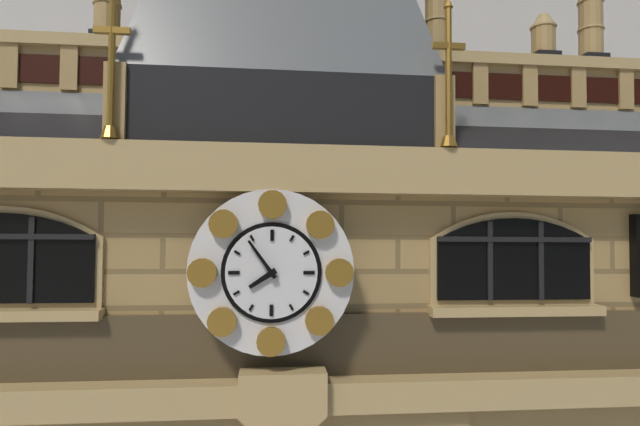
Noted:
7,54
